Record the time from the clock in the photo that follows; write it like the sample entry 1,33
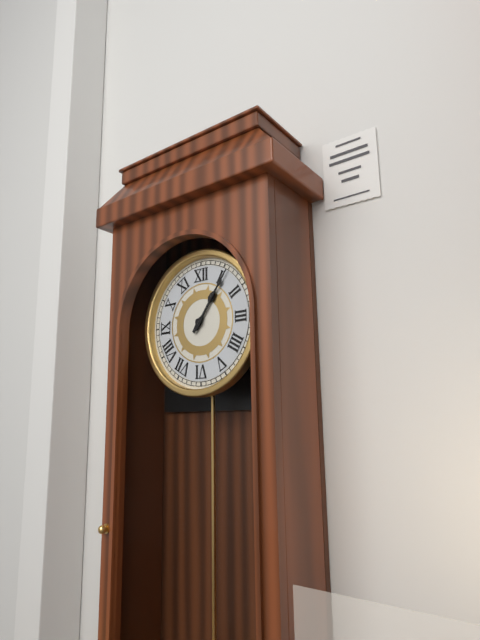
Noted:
1,06
